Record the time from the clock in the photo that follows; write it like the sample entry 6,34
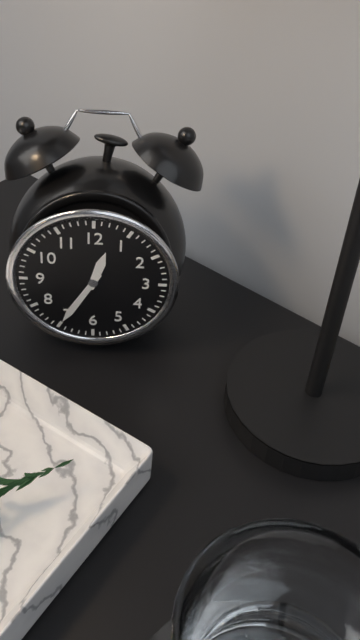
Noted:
12,35
